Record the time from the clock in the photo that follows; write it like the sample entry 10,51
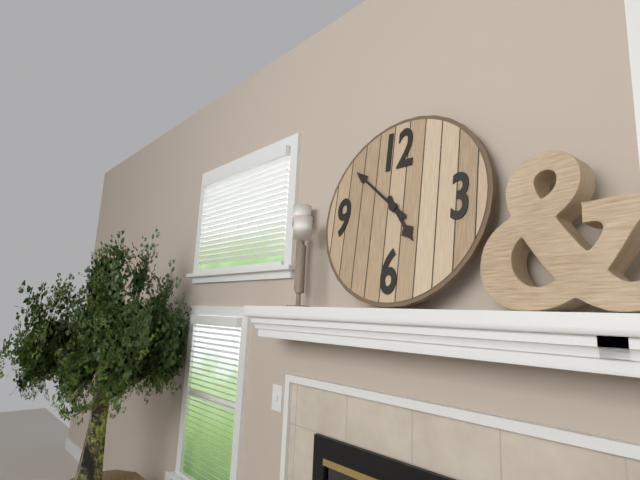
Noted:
4,52
